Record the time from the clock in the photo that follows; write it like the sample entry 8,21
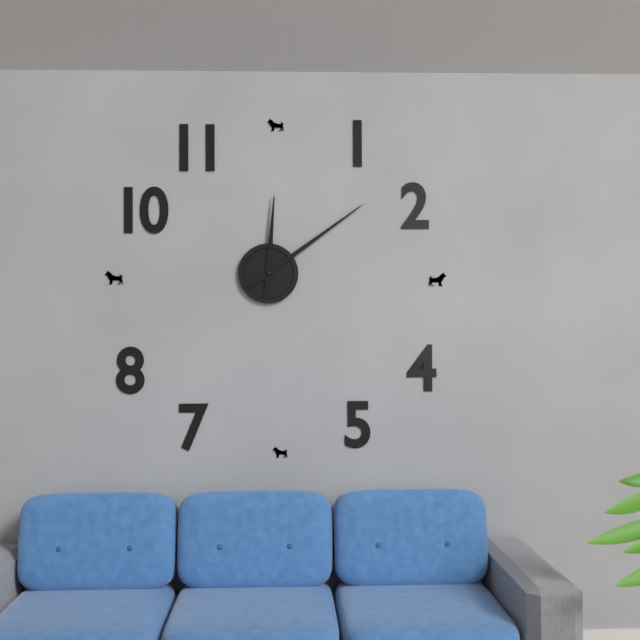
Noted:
12,09
